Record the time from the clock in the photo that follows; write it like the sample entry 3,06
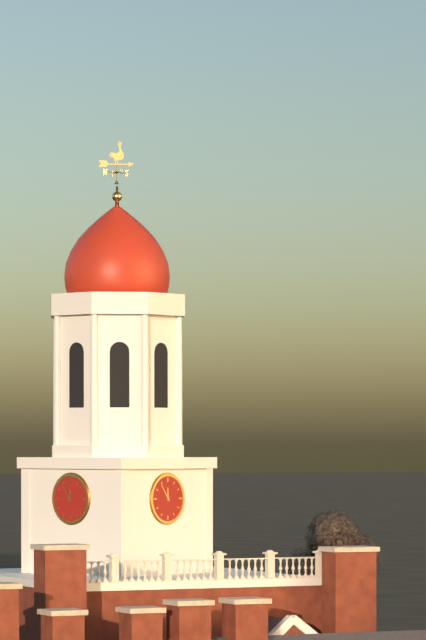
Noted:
11,54
